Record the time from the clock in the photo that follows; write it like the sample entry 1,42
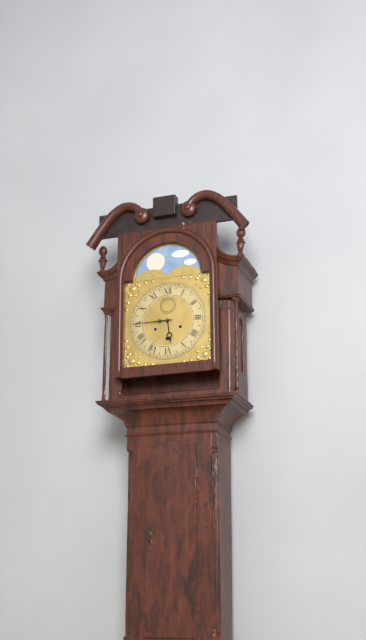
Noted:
5,45
